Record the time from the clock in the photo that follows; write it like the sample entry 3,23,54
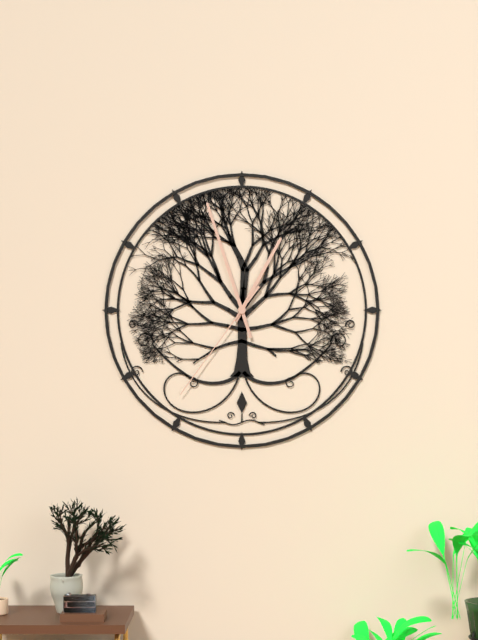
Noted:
12,57,36
